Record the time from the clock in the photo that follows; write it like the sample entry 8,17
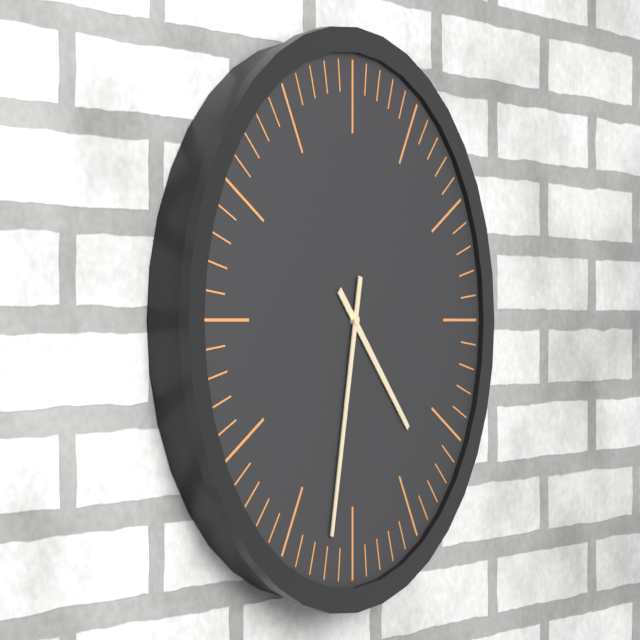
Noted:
4,32
